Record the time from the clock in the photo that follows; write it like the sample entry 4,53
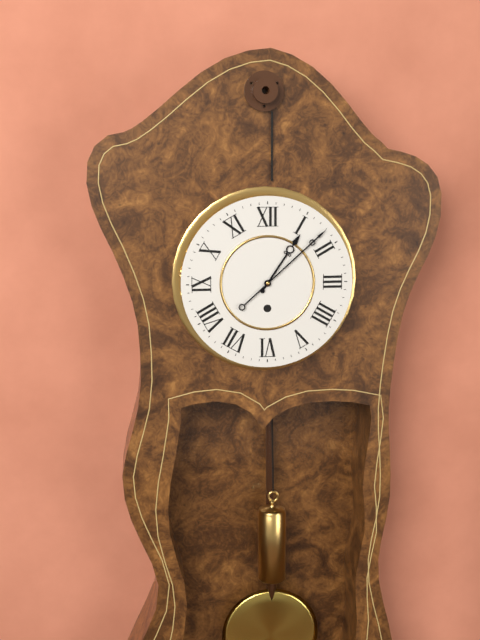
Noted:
1,08
